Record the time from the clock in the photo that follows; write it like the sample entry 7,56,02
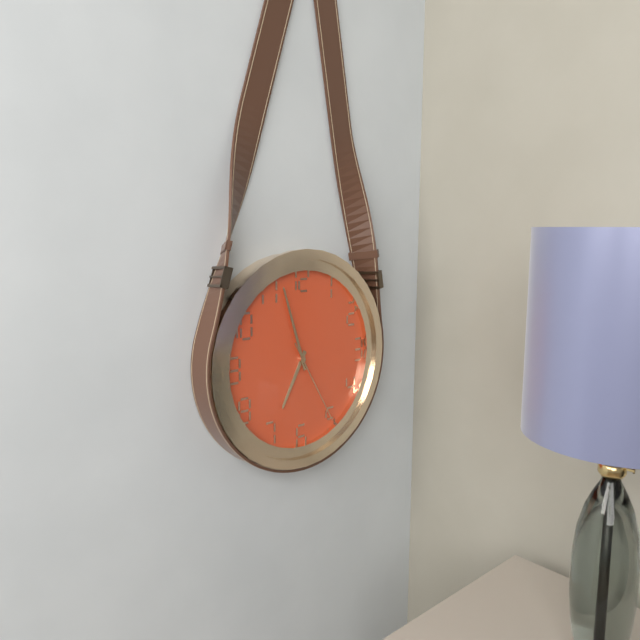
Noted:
6,57,25
